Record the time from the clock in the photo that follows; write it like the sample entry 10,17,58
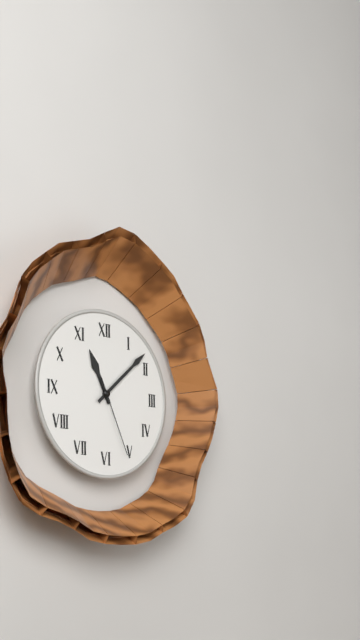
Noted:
11,08,26
